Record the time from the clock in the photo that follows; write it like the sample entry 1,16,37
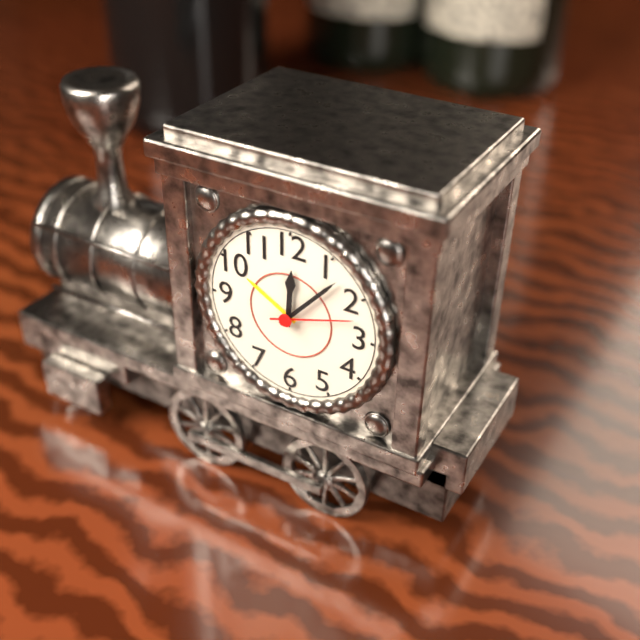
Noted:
12,07,12
